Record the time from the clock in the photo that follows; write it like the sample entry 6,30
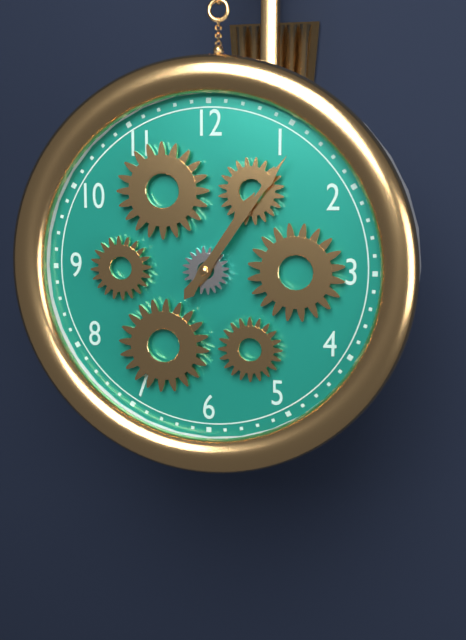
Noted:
1,06
